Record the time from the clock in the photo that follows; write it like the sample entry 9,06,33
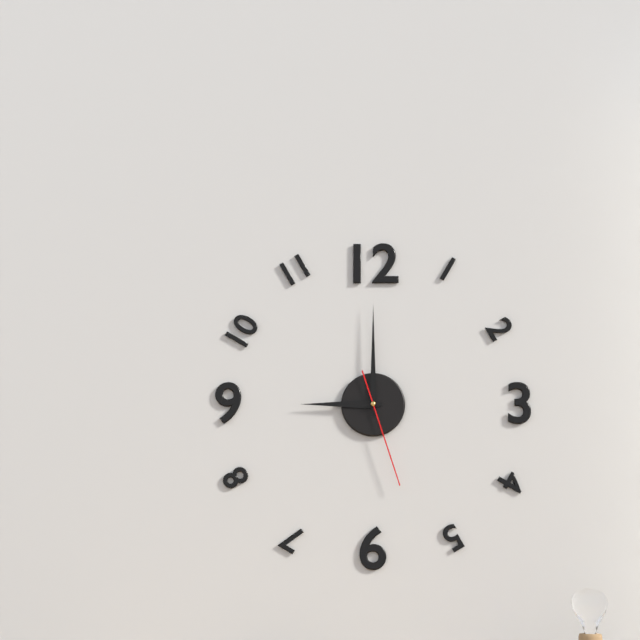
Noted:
9,00,27
